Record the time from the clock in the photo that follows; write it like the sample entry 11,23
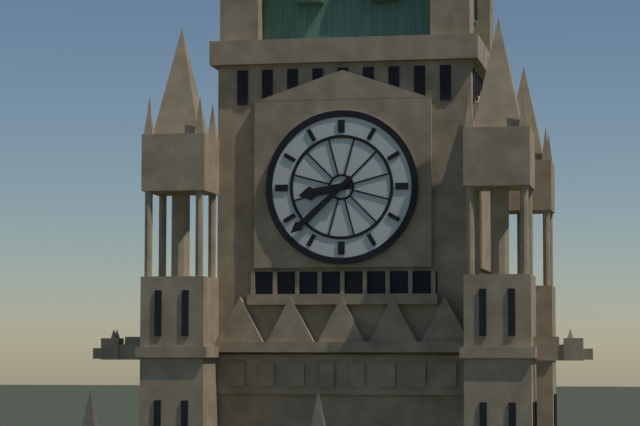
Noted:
8,38
